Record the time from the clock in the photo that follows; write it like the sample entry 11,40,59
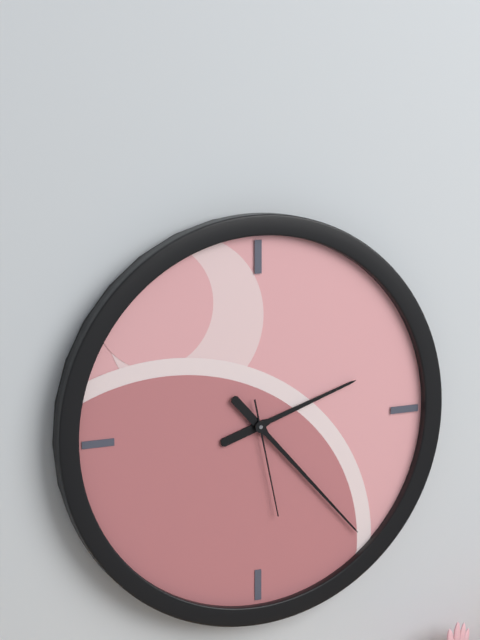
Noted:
2,23,28
